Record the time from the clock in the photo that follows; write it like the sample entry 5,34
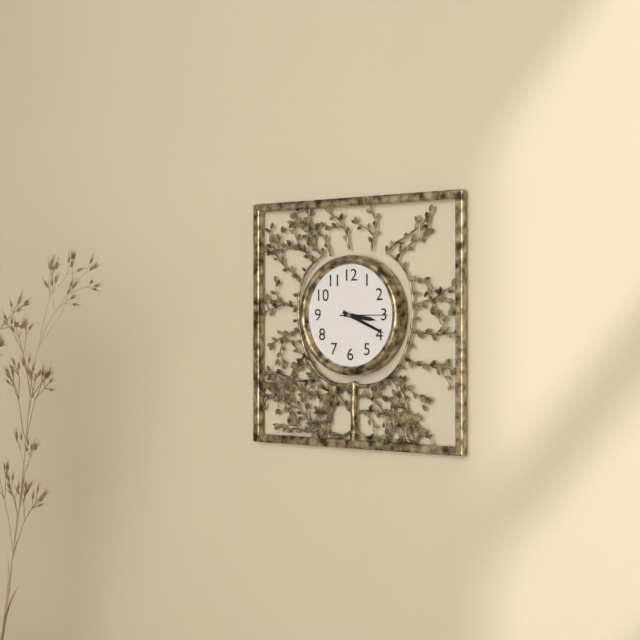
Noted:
3,19
